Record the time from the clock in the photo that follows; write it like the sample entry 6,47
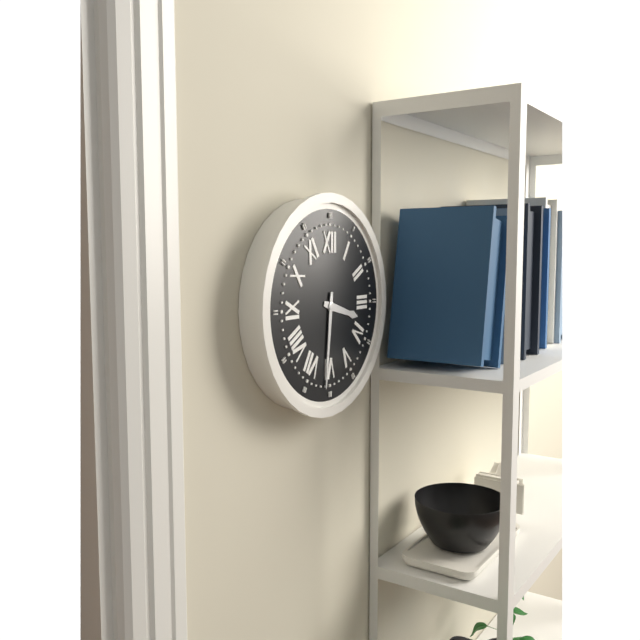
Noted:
3,31
